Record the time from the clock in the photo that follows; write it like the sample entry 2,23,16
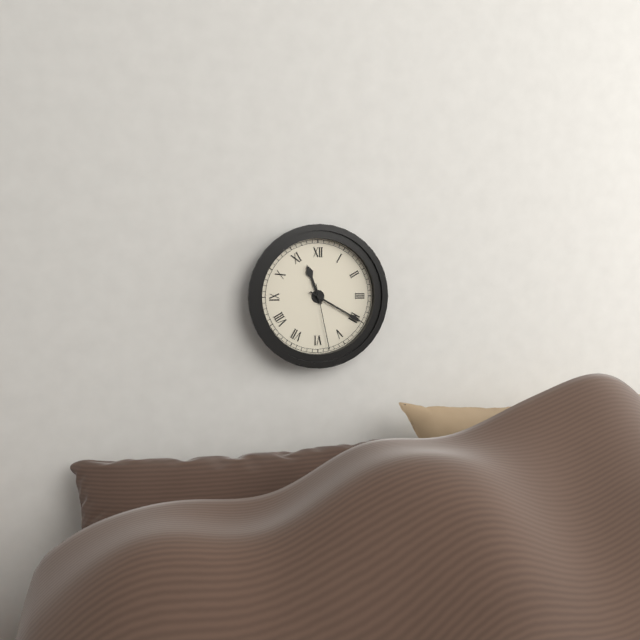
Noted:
11,20,28
